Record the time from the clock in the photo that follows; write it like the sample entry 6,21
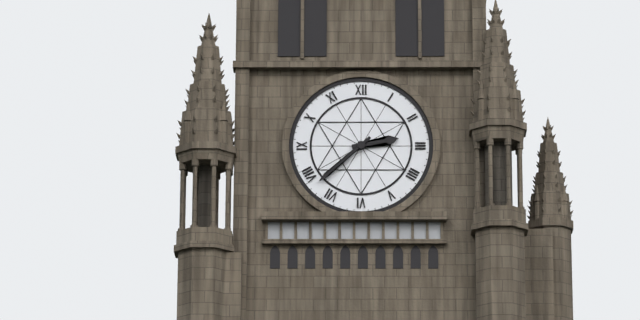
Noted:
2,38
